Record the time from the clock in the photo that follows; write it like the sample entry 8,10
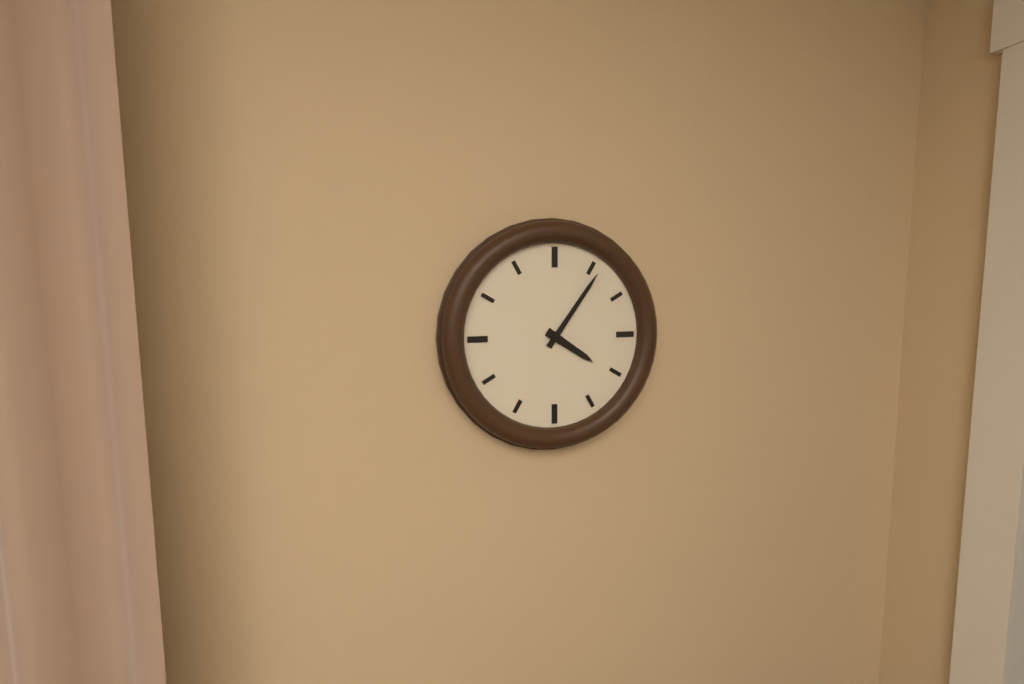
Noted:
4,06
